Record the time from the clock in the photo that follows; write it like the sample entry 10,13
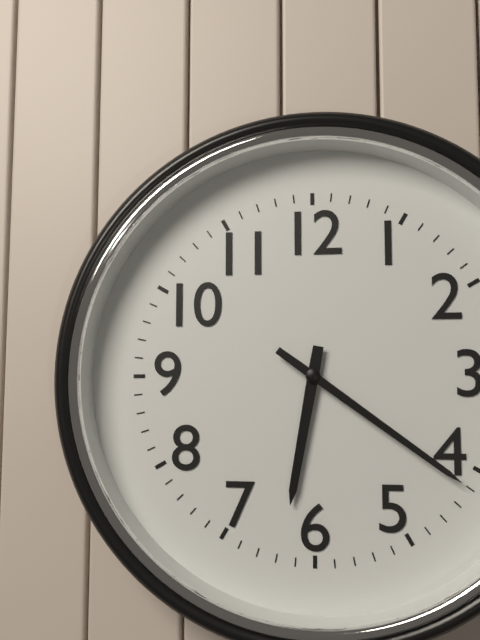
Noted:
6,21
